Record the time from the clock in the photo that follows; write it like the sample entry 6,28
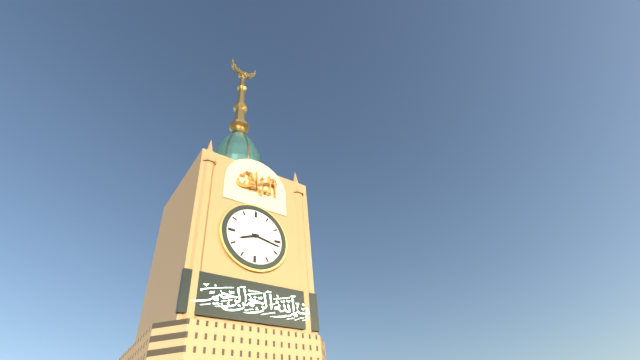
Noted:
8,17
